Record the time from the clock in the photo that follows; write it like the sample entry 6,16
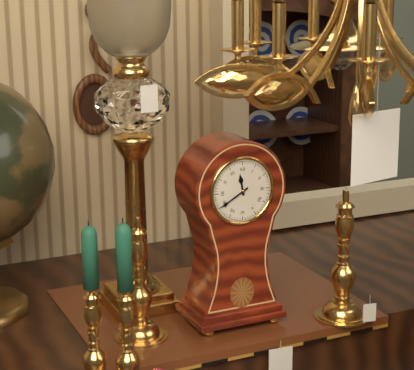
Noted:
11,40
